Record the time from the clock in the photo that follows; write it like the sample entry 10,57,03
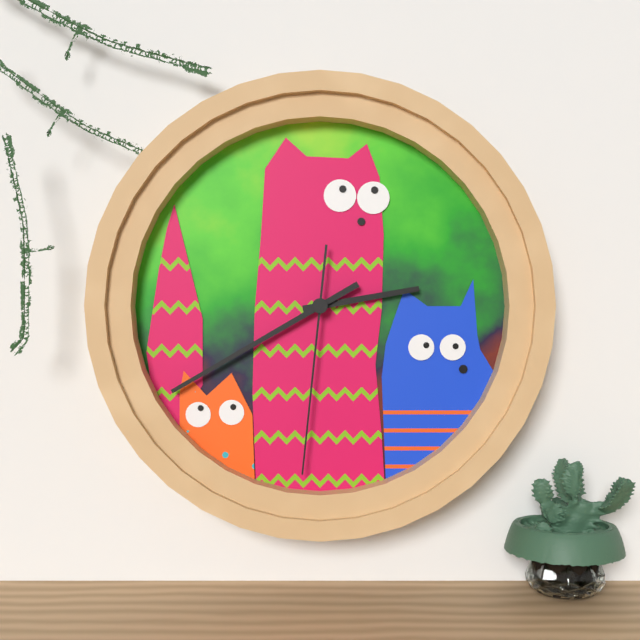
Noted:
2,40,31
